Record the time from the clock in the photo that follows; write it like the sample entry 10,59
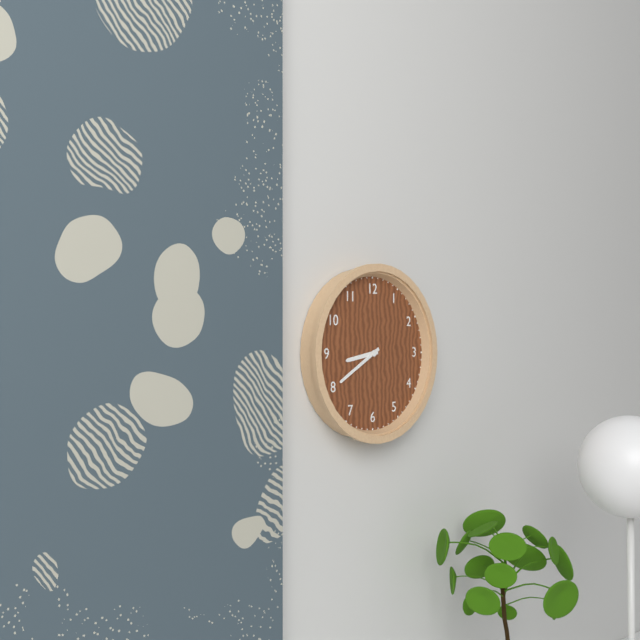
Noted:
8,40
